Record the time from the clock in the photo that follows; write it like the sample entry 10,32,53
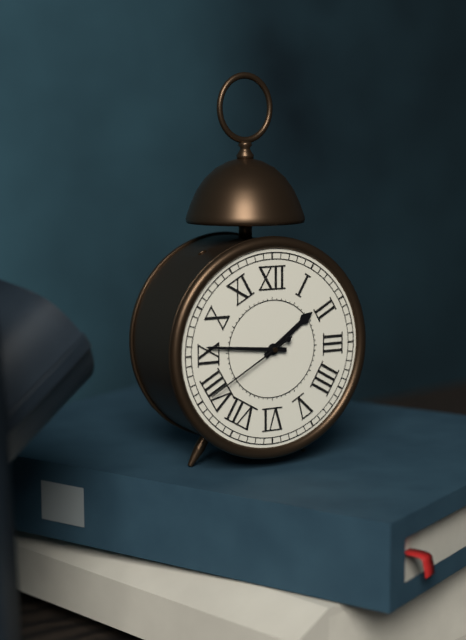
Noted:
1,46,40
